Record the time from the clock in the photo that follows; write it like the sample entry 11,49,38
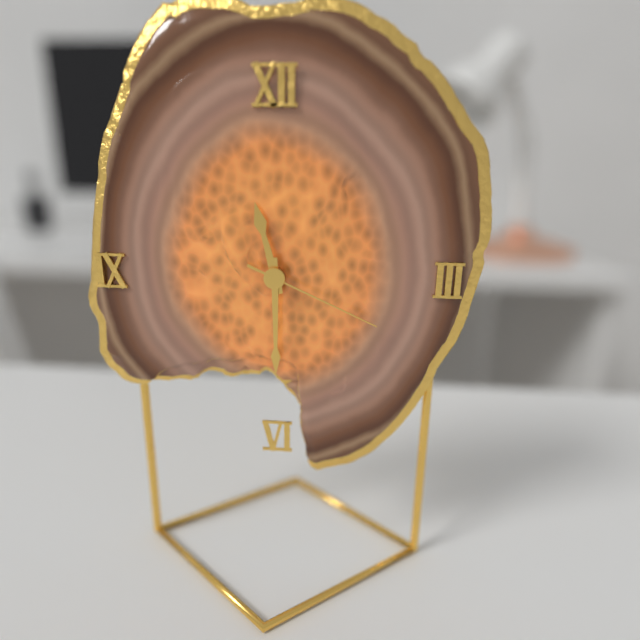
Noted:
11,30,19
